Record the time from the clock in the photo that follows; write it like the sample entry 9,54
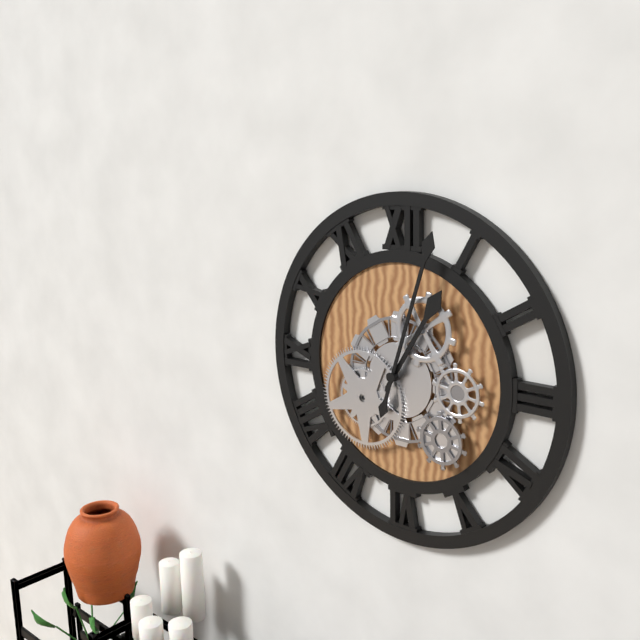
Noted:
1,03
